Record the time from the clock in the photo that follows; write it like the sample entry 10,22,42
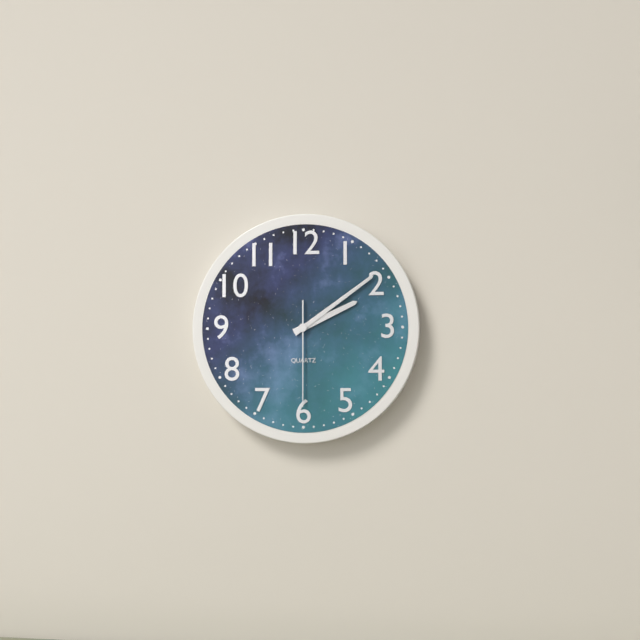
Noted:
2,09,30
